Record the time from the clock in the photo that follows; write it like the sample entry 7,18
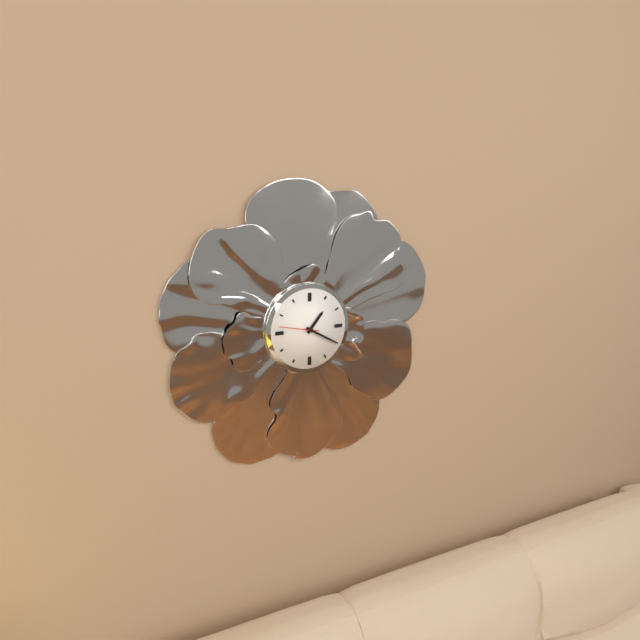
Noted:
1,20
